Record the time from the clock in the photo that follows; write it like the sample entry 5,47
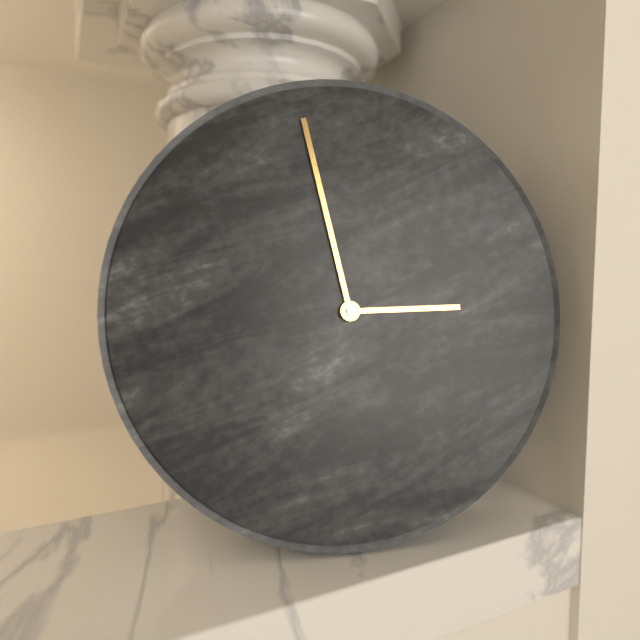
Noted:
2,58
